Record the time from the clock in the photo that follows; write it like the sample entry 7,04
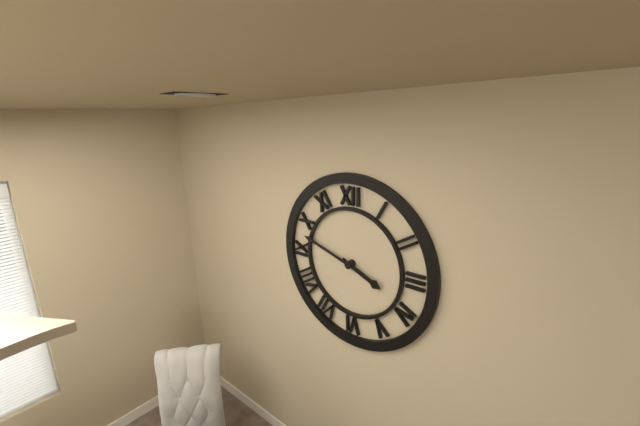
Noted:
3,48
